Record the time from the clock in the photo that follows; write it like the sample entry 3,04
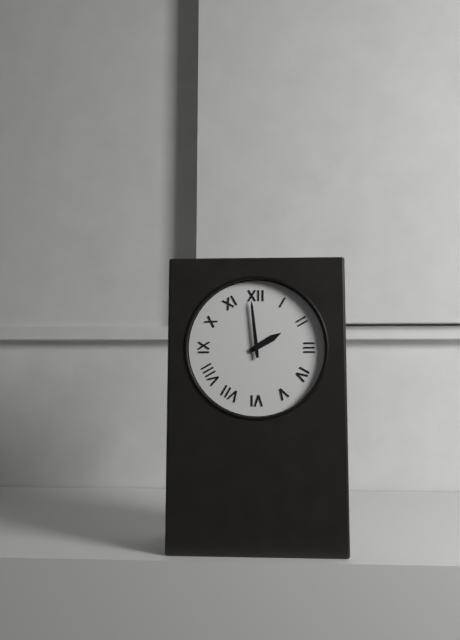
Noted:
1,59
